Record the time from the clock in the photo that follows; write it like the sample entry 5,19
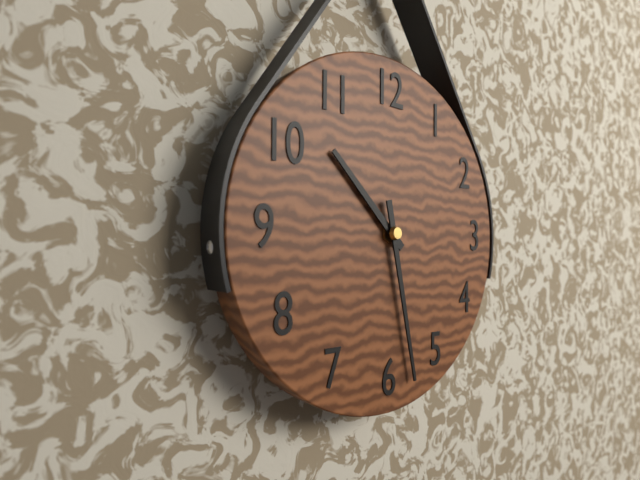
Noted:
10,28
